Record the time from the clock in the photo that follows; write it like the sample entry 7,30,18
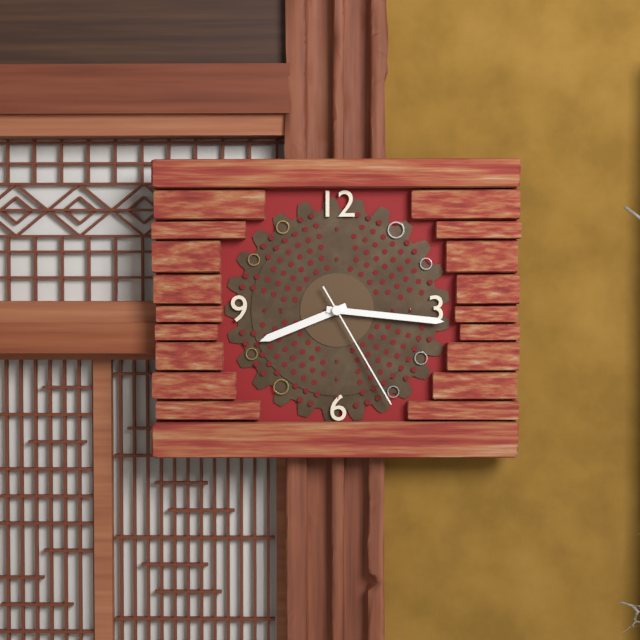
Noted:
8,16,25
